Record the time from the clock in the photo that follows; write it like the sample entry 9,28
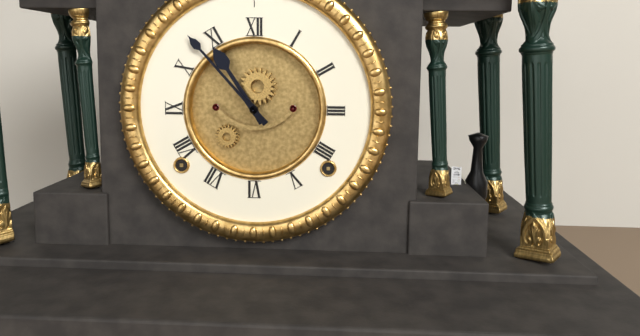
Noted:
10,53
